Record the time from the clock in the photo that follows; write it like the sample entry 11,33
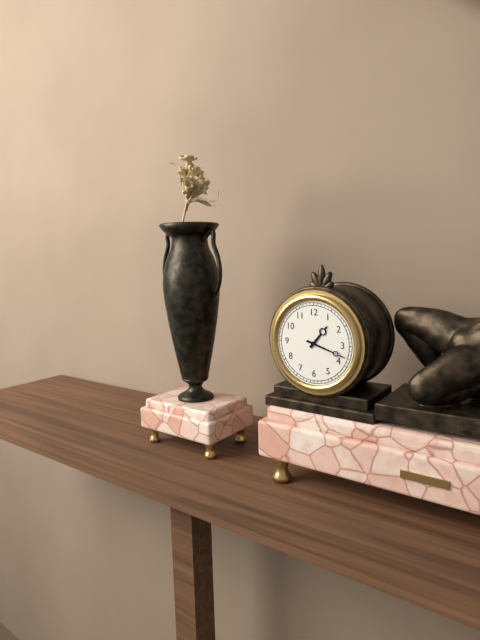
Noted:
1,18
